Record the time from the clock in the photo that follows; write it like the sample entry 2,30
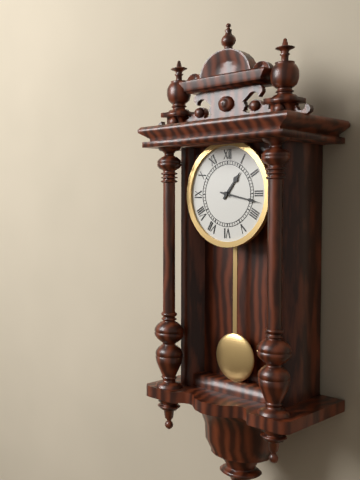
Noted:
1,17
